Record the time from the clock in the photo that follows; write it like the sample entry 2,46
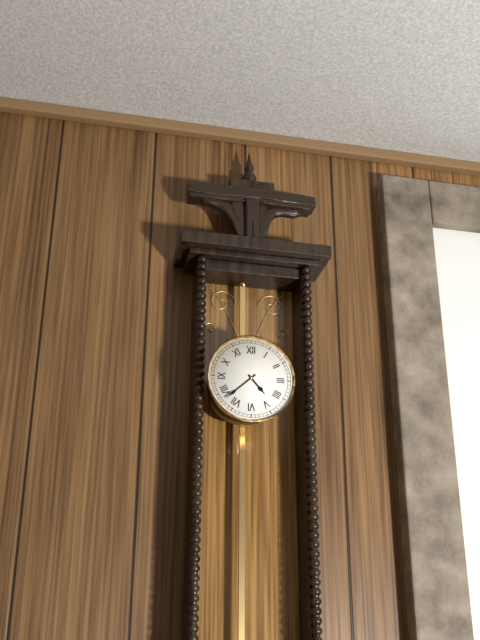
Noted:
4,38
